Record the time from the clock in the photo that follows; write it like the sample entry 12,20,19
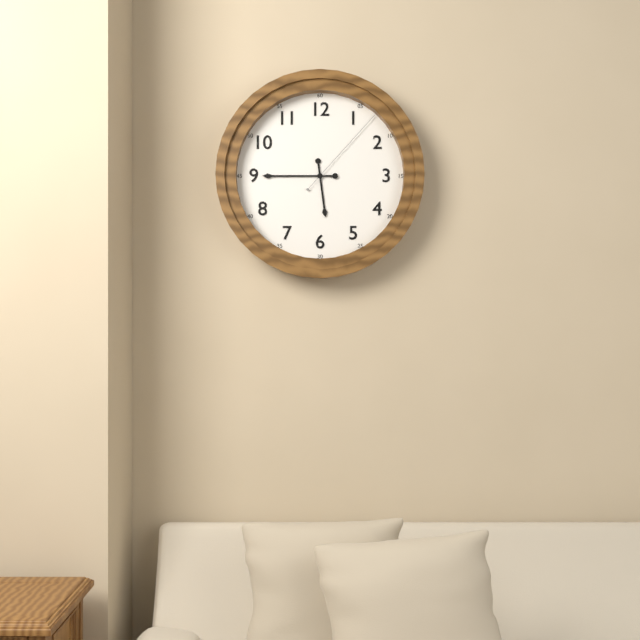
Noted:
5,45,07
